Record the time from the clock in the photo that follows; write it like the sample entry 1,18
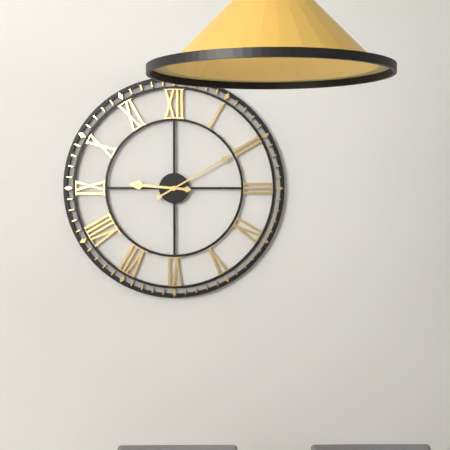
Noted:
9,10
